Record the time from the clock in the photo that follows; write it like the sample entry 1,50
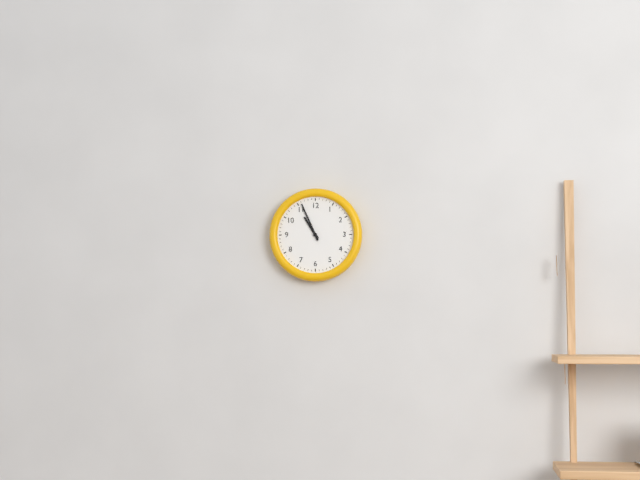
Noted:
10,56
